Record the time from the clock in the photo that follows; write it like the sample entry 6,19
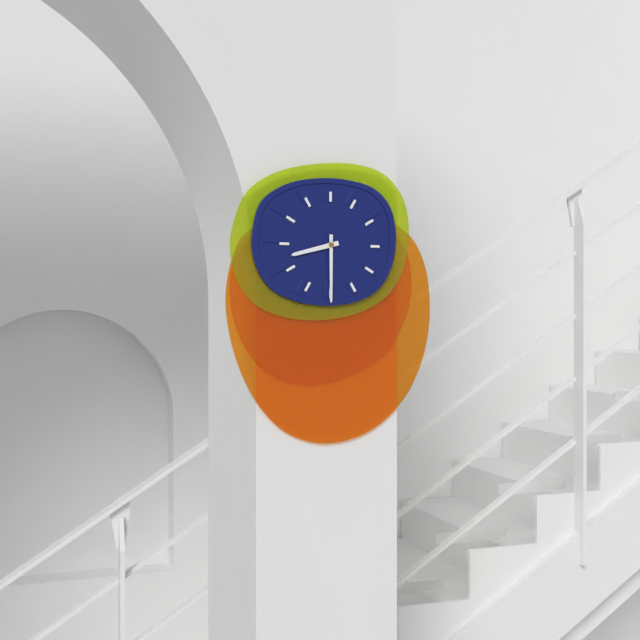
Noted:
8,30
